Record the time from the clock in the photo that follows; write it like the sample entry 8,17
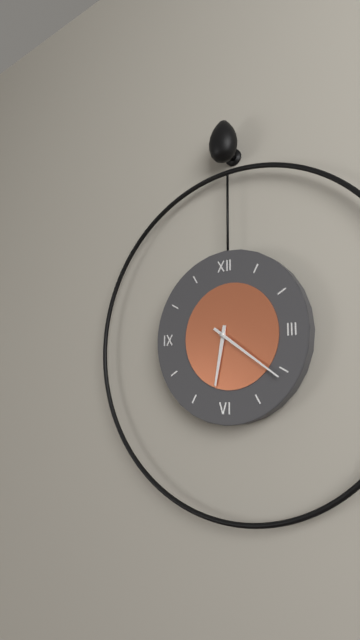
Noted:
6,21
